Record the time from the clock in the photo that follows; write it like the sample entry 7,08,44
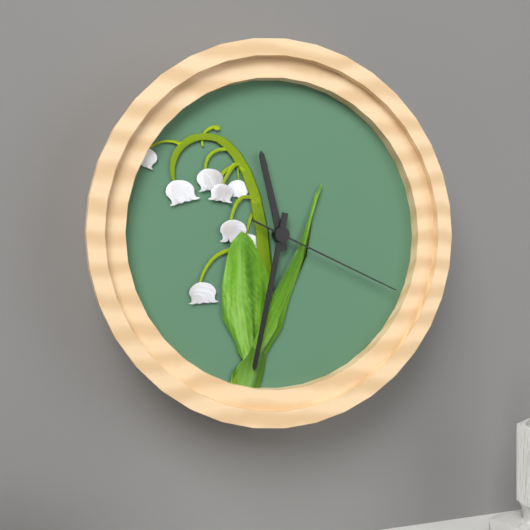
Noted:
11,32,19
